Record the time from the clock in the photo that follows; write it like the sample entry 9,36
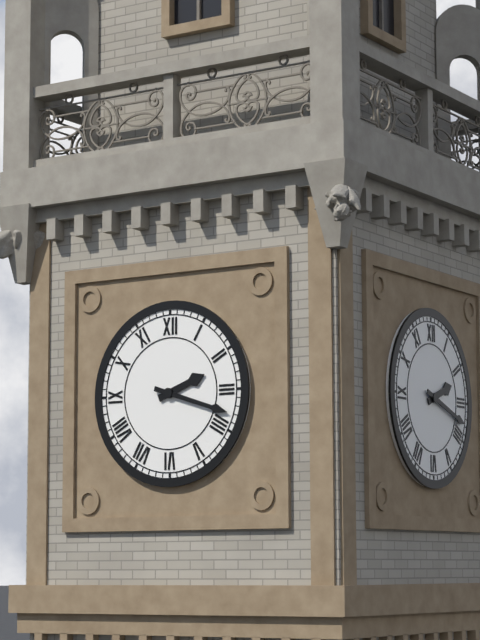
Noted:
2,18
